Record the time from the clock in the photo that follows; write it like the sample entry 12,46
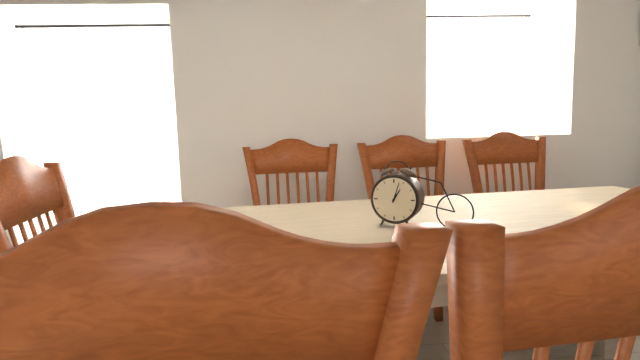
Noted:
1,03
